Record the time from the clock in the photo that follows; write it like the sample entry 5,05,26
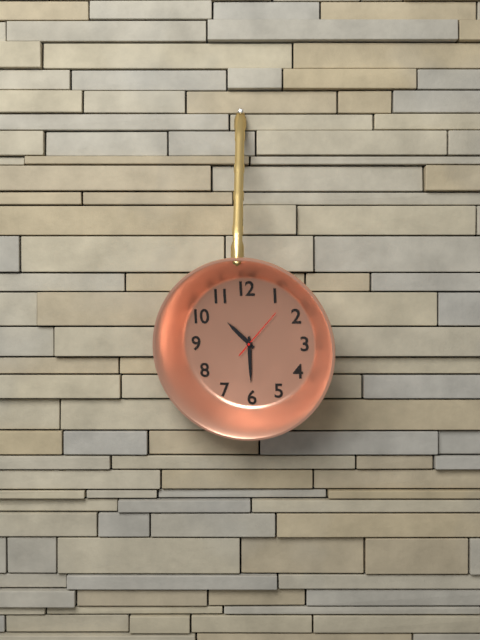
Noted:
10,30,07
